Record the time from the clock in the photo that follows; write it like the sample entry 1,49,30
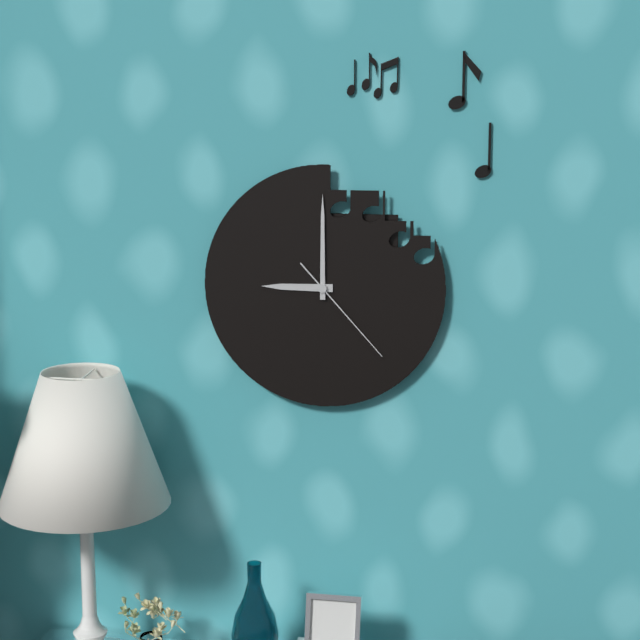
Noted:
9,00,23
